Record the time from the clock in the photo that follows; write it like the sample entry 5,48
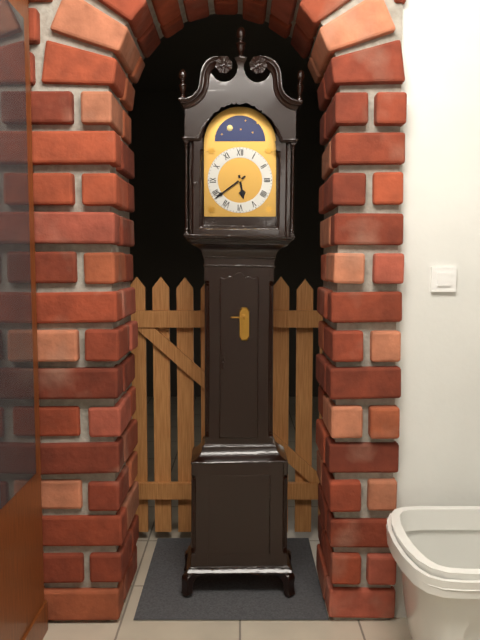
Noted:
5,39
